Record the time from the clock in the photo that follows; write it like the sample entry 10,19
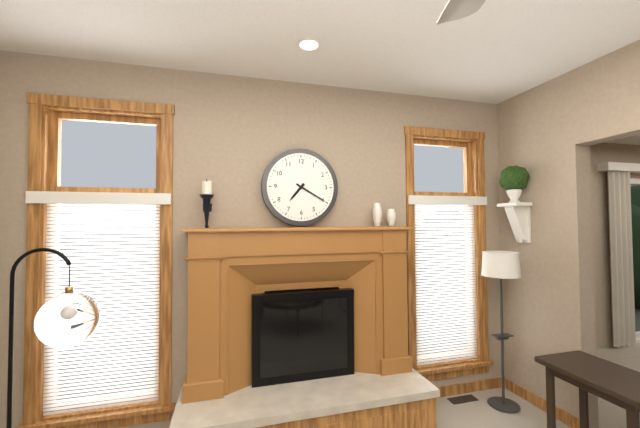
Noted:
7,20
